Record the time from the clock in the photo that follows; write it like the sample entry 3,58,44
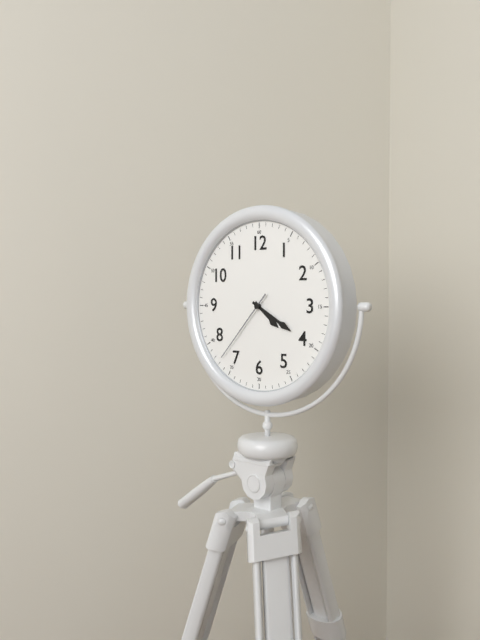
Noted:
4,20,37
